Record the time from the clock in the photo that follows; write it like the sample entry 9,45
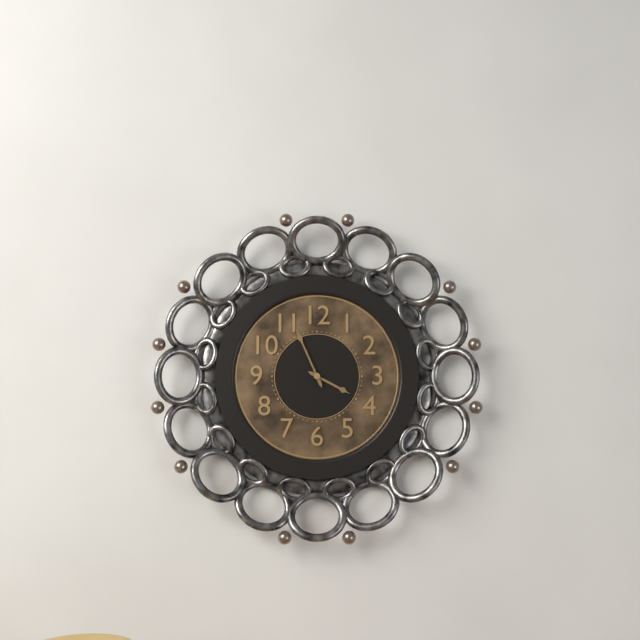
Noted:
3,56
